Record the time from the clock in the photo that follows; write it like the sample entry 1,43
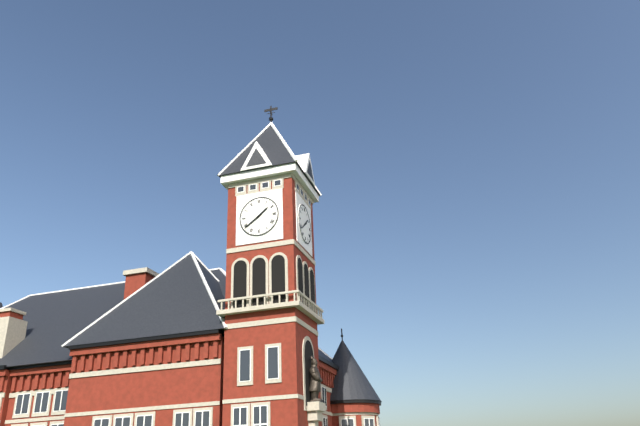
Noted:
1,39
